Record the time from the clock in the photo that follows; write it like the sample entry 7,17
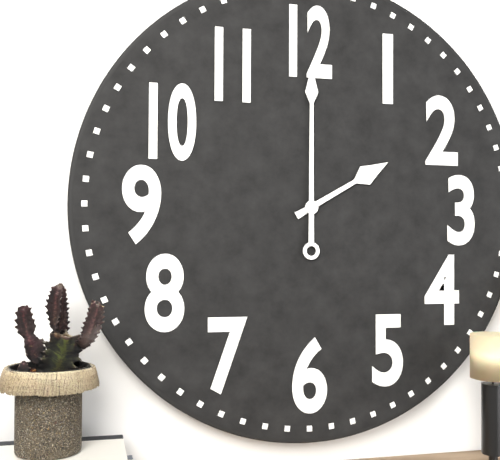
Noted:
2,00
